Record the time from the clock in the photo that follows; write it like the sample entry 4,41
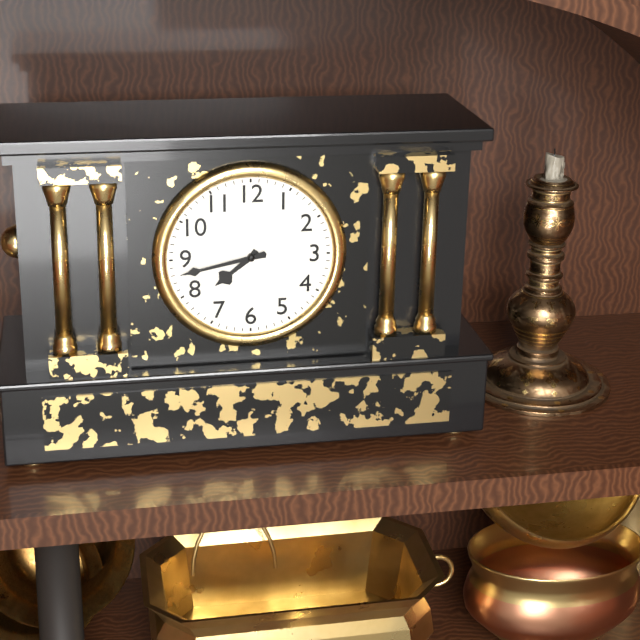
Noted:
7,43
